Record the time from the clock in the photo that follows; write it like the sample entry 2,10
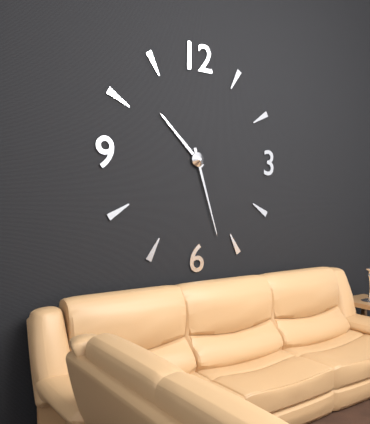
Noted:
10,27
